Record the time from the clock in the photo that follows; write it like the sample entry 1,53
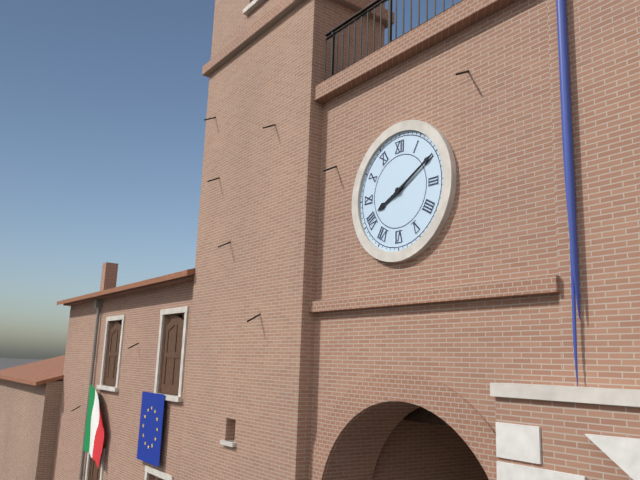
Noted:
8,10
